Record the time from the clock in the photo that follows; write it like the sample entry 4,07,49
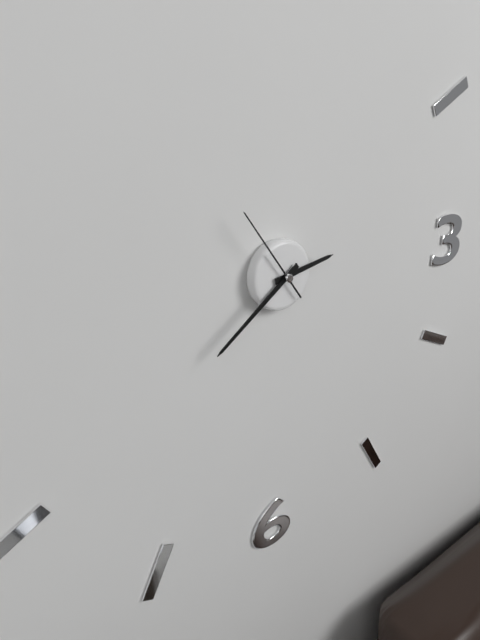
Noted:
2,39,54
